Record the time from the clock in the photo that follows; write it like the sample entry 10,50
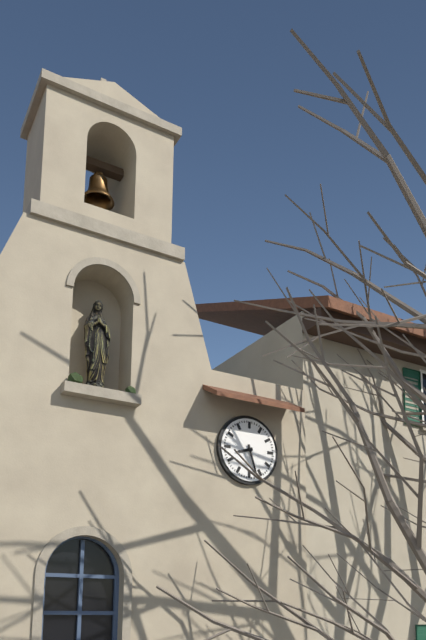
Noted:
8,27
